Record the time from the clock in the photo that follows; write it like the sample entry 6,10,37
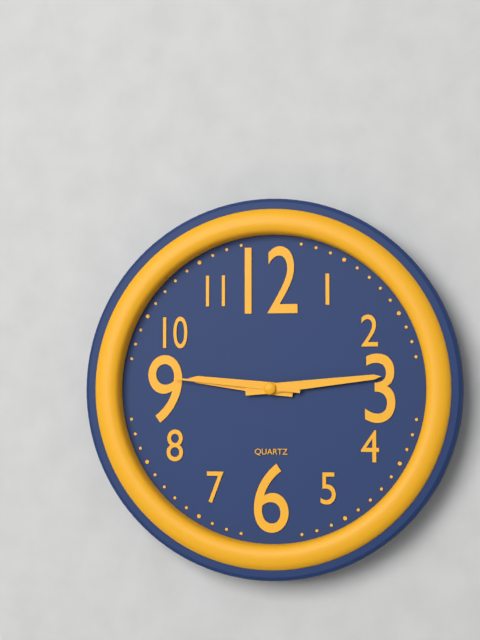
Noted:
9,14,46
